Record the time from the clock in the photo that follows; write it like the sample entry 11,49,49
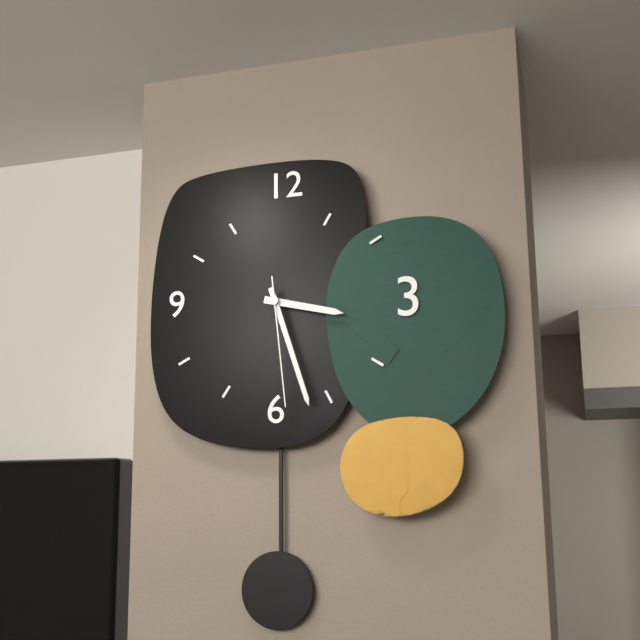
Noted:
3,27,29
